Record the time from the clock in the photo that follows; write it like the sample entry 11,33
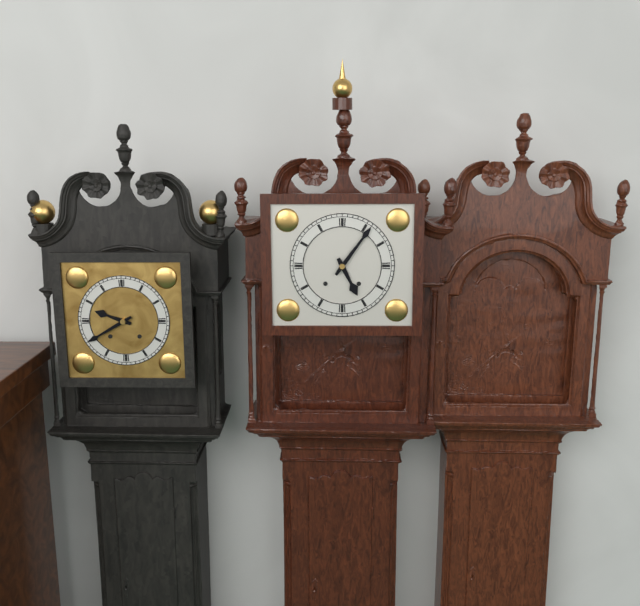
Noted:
5,06
